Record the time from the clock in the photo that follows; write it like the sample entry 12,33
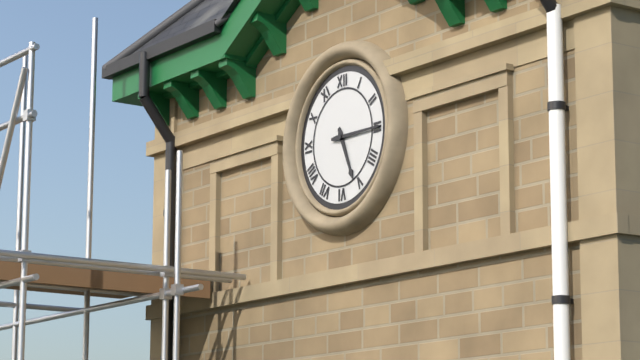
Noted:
5,15
